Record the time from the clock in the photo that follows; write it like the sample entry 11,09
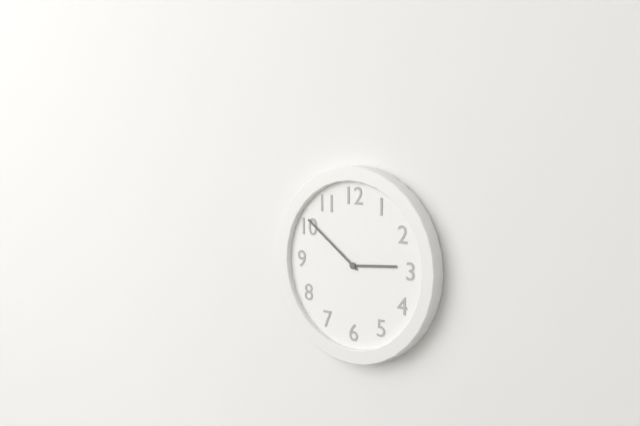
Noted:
2,51
